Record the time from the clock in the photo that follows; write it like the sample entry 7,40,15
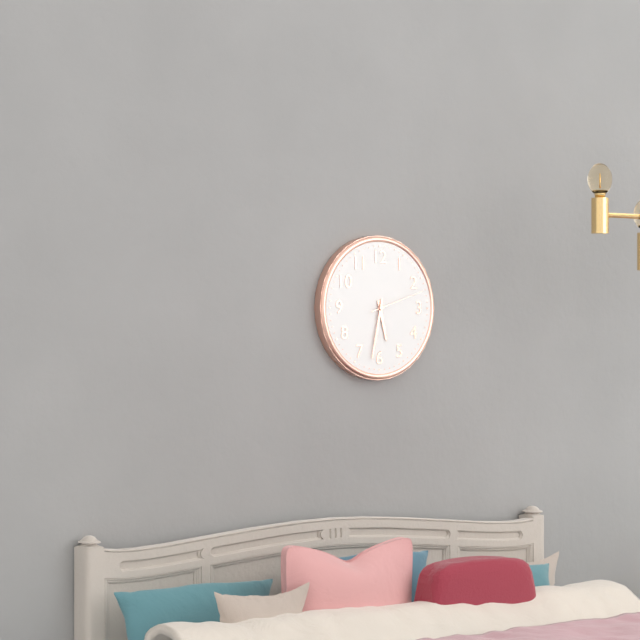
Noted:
5,32,12
